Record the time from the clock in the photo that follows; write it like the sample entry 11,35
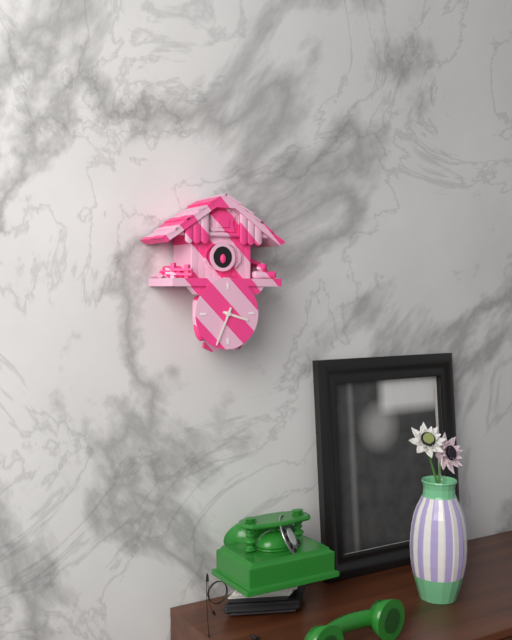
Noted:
3,34
